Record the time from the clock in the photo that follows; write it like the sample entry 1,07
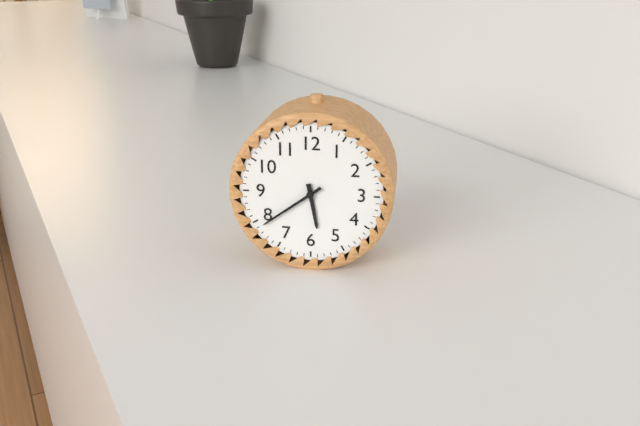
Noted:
5,39
